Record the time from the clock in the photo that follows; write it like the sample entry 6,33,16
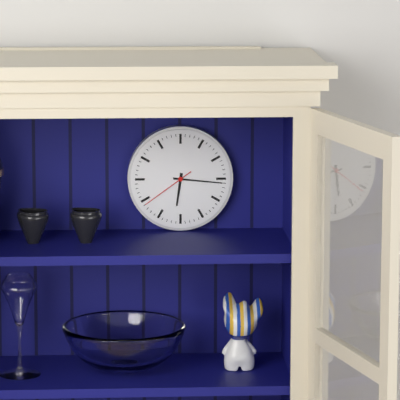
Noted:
6,16,39
